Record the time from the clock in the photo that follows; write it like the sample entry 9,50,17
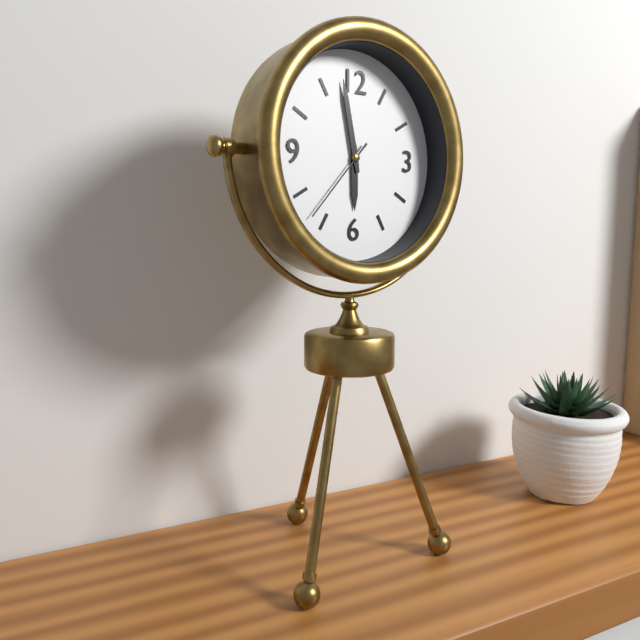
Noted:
5,58,37
